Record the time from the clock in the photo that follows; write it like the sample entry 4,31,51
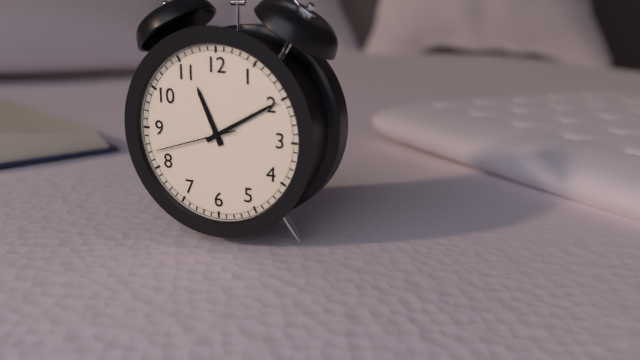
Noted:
11,10,42
